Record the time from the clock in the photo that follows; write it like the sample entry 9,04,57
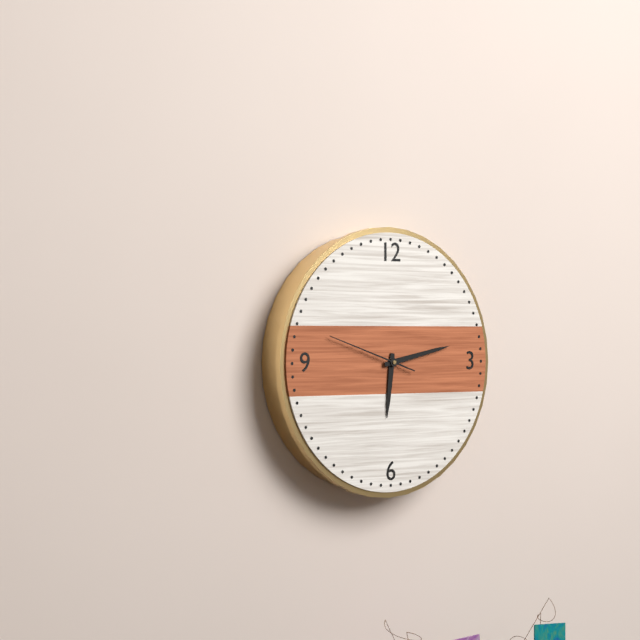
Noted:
6,13,48
